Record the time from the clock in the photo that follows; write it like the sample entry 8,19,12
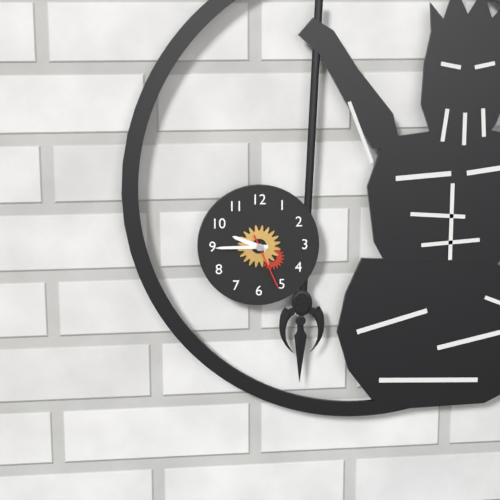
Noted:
9,45,26
